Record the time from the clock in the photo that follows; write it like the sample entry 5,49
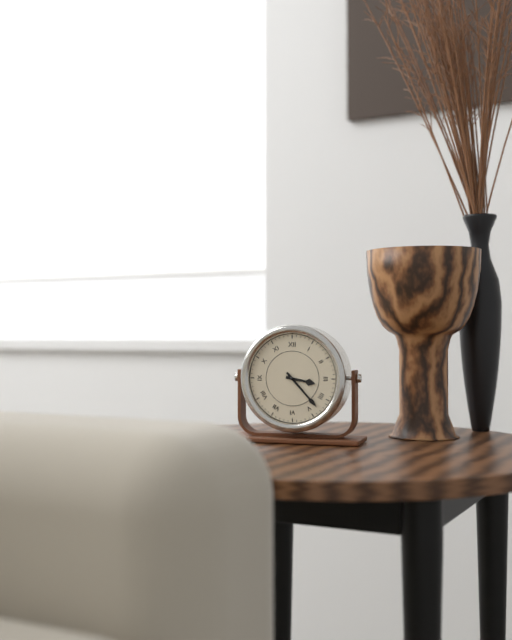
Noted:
3,23
